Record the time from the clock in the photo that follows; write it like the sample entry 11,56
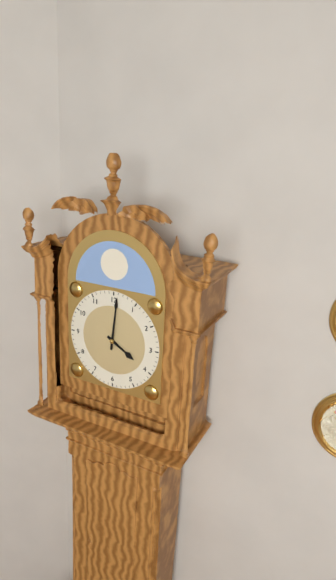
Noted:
4,01
